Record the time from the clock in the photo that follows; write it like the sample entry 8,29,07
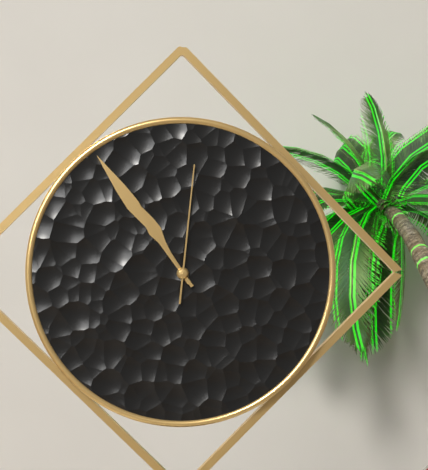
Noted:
10,54,01
